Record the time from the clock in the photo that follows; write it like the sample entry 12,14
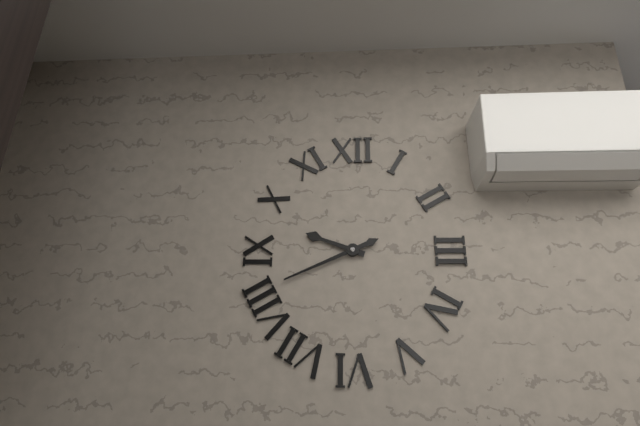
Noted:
9,41
